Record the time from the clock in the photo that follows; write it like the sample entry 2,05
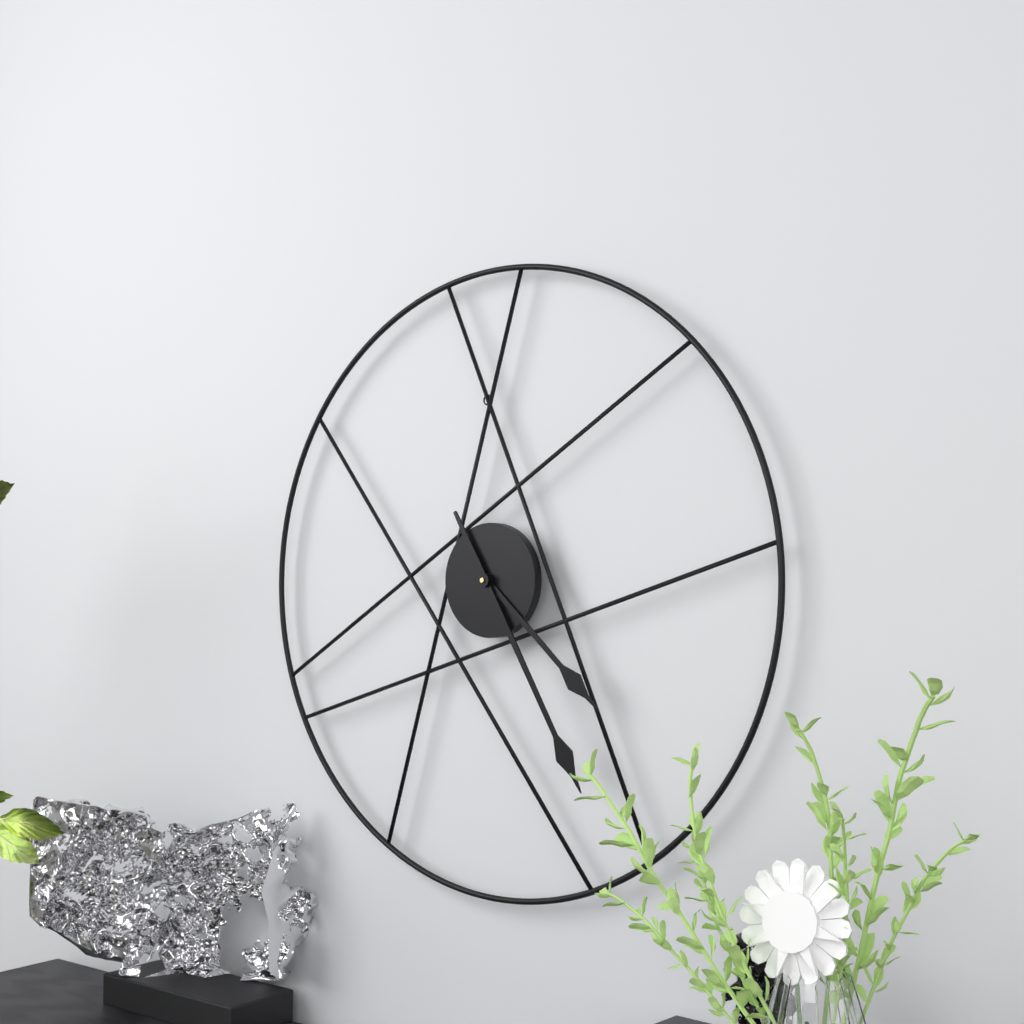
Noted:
4,25
